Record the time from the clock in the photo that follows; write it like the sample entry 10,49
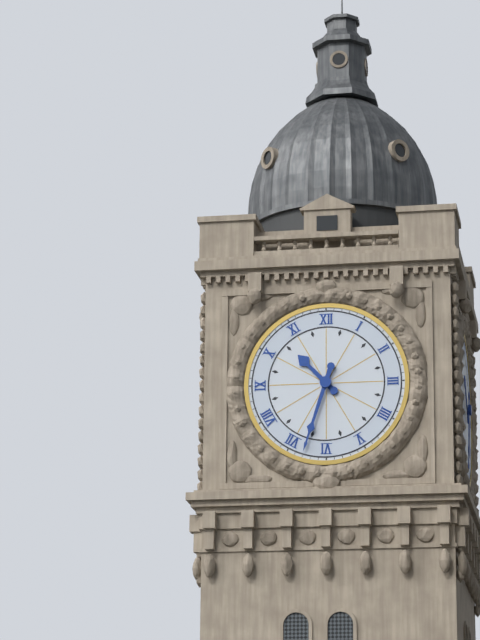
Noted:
10,33
